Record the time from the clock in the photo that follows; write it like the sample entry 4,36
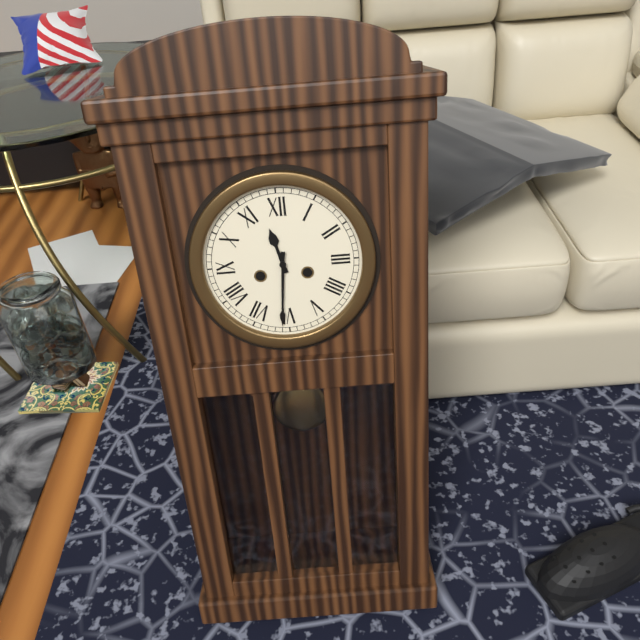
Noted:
11,31
